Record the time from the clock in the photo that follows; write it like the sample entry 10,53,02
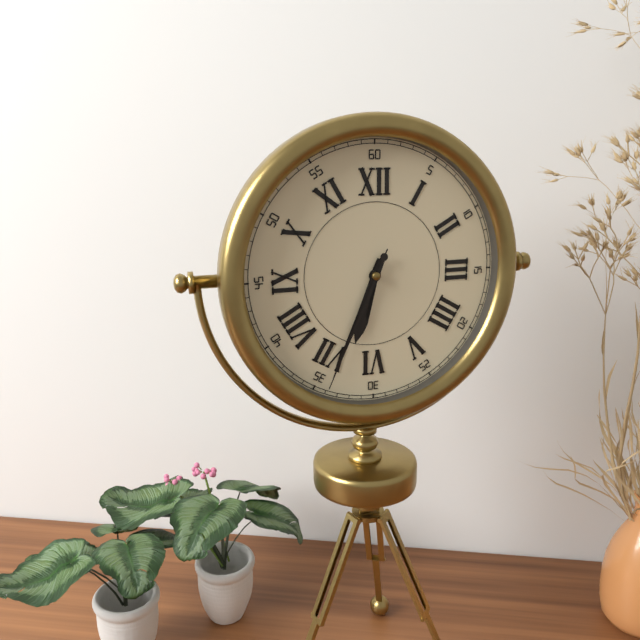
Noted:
6,34,34
